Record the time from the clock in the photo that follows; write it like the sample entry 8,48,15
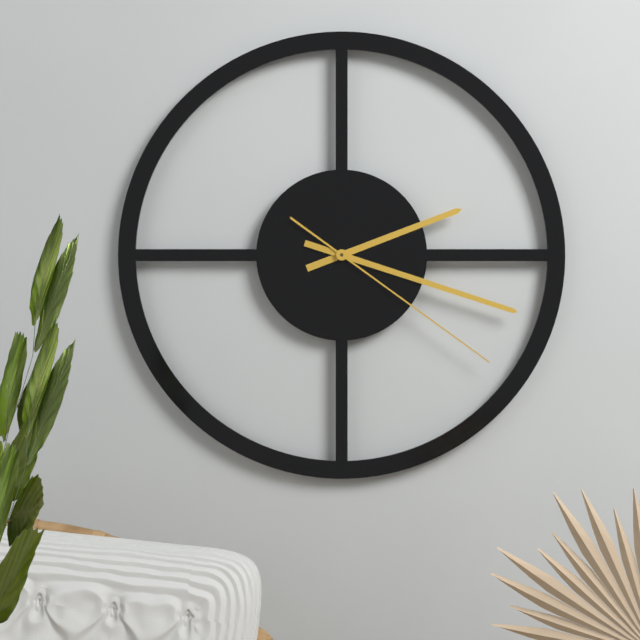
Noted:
2,18,21
